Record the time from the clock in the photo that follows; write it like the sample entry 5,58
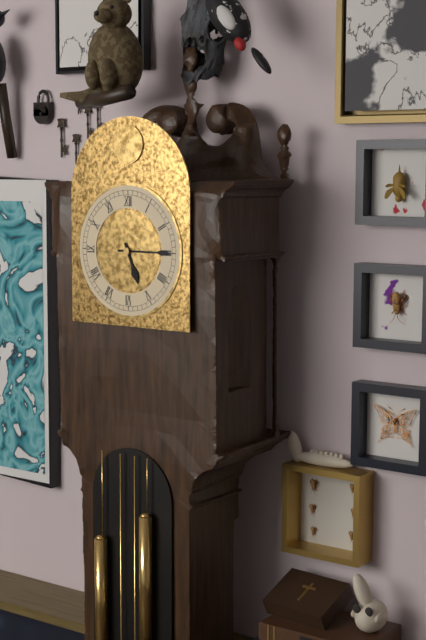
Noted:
5,15
